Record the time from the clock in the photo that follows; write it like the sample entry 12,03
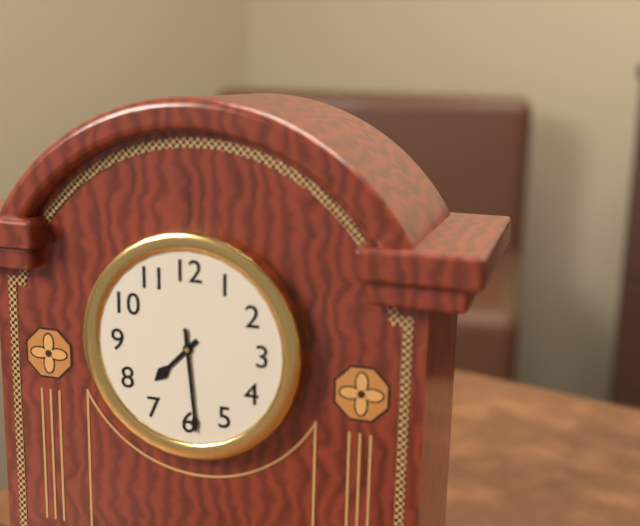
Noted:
7,29
